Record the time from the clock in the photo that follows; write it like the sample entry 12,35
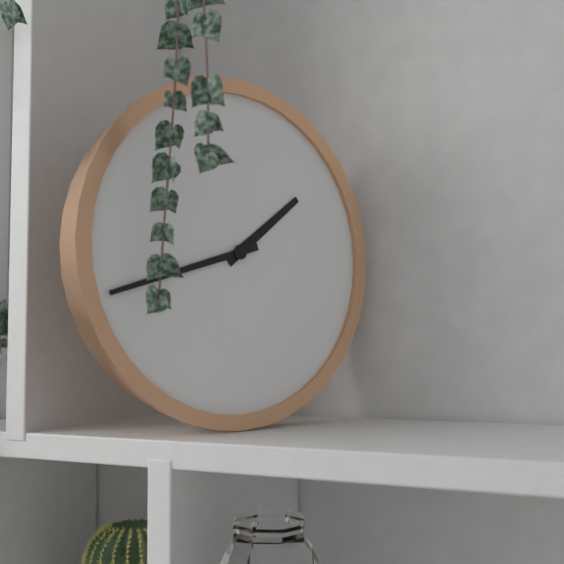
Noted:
1,42
